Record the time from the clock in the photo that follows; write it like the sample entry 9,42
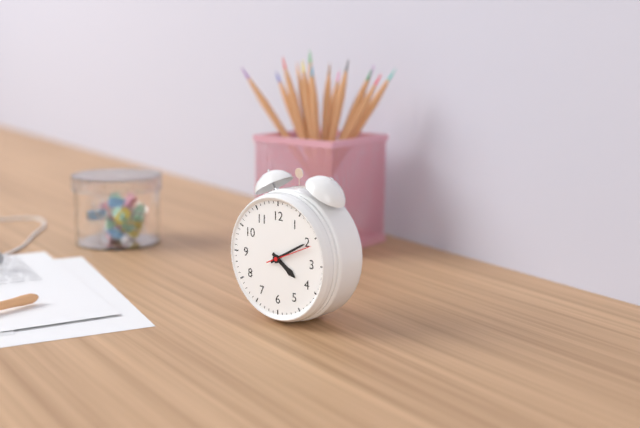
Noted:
4,10
